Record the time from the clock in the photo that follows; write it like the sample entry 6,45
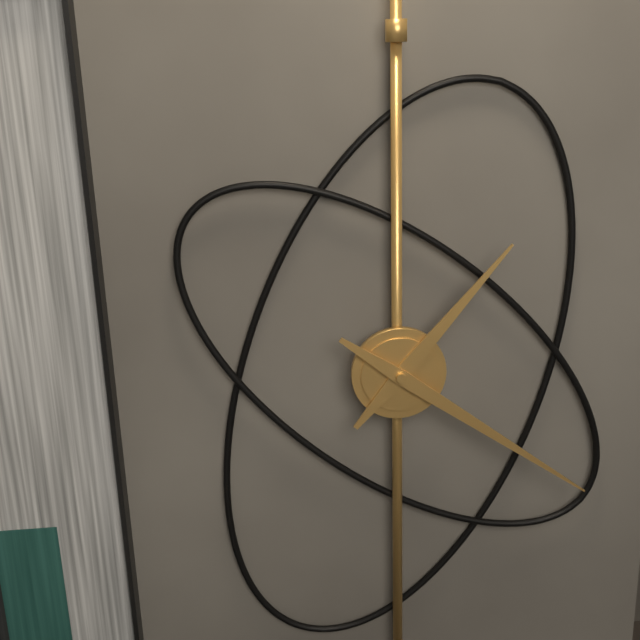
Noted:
1,21
